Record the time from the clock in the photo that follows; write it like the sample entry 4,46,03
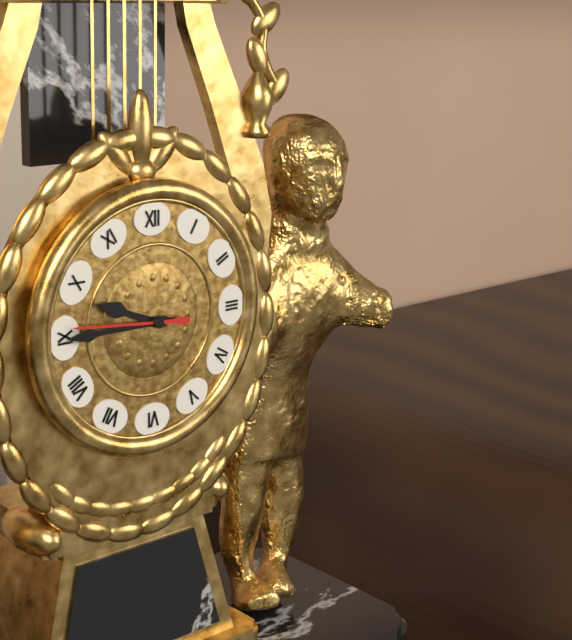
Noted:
9,45,46
